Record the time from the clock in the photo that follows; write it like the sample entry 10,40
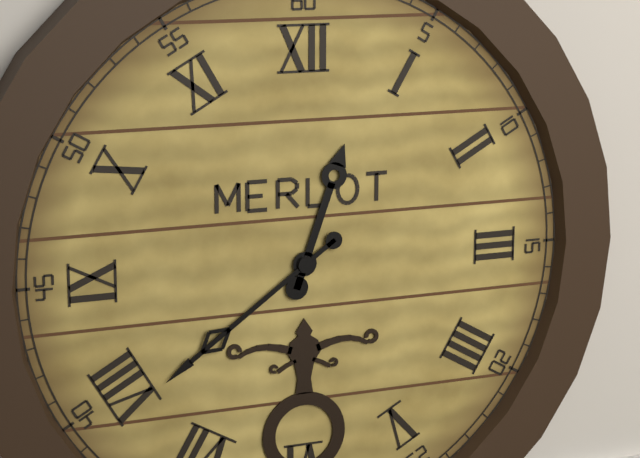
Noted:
12,39
